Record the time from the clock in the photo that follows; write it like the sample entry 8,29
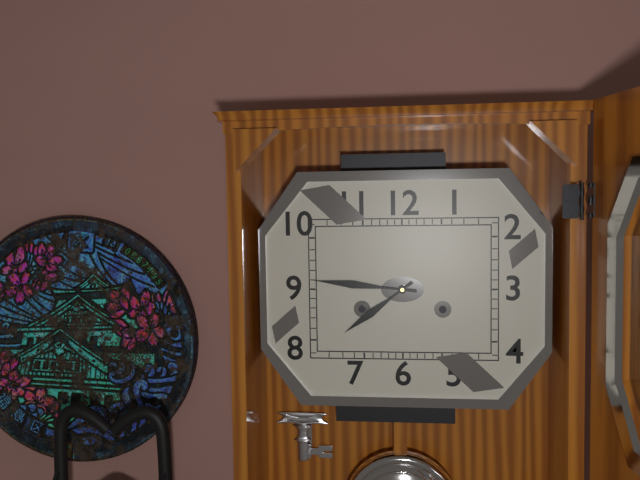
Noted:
7,46
